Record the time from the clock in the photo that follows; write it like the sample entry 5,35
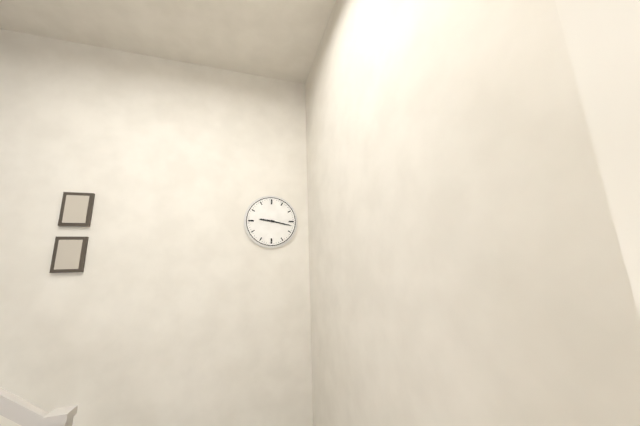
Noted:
9,17
